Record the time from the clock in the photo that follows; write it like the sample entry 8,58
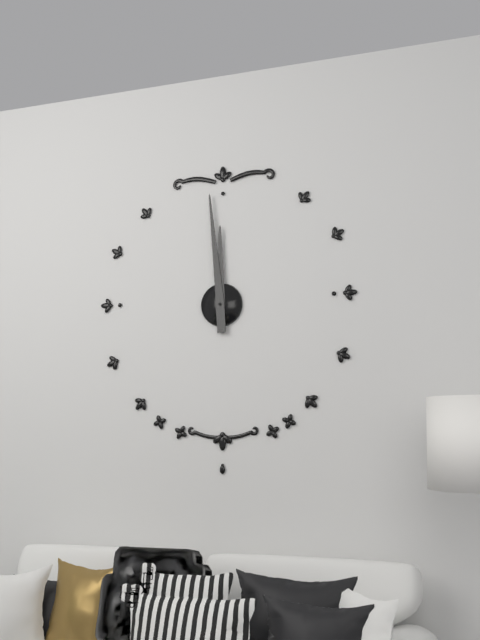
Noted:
11,59
